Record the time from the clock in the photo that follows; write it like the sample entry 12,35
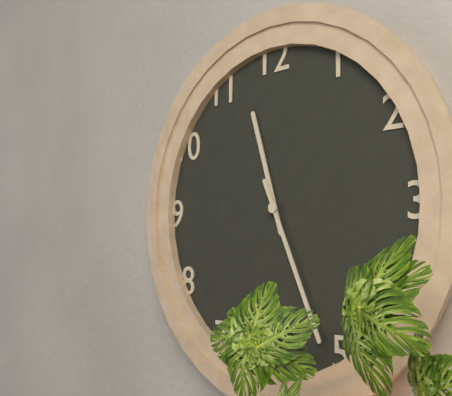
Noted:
11,26
